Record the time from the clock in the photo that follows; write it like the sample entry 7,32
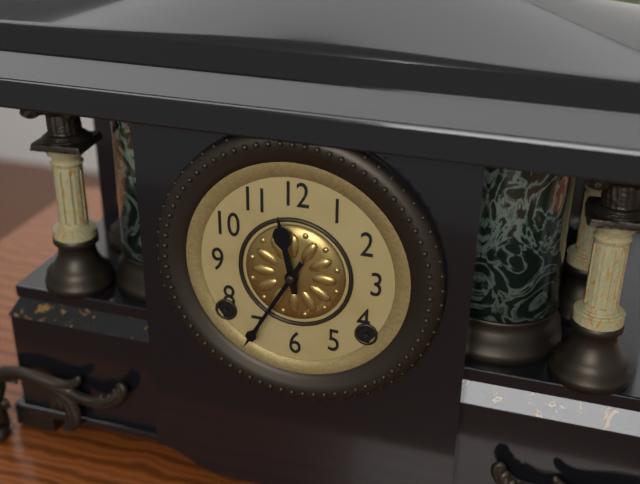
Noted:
11,35
